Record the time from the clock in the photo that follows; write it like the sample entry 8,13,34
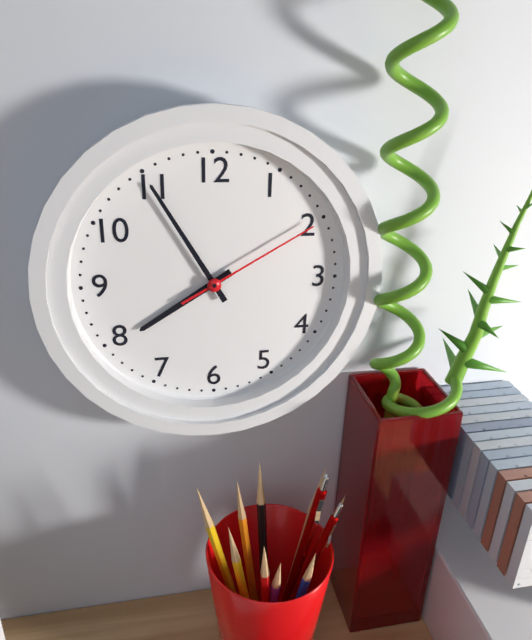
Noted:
7,55,10
